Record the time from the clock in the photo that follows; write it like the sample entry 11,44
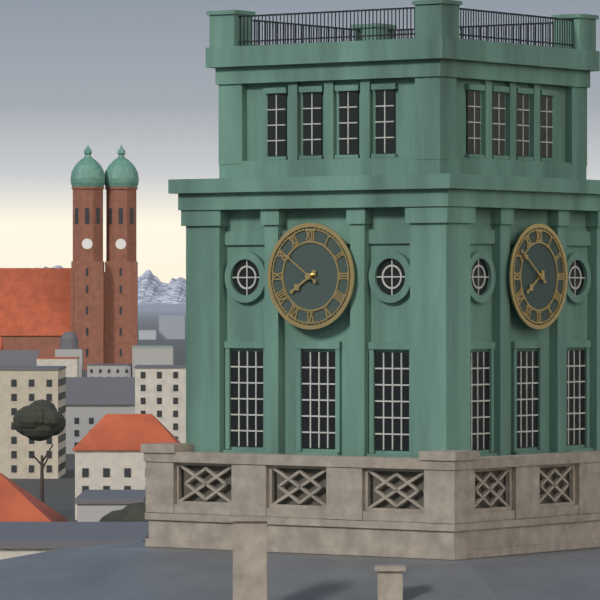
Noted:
7,51
